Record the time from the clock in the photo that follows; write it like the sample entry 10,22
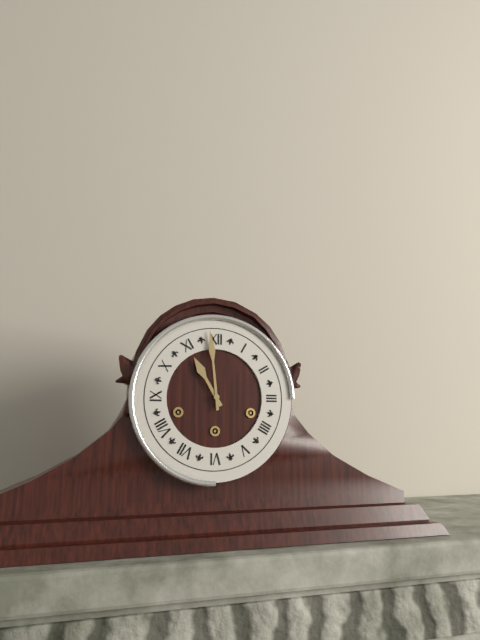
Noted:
10,59
